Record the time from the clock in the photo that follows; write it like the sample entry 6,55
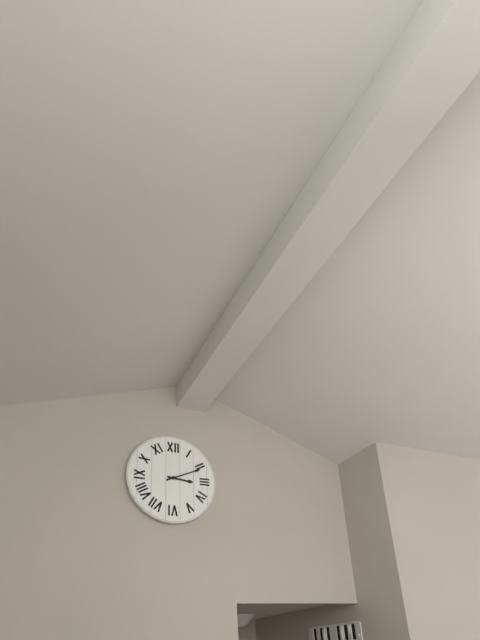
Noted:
3,11
